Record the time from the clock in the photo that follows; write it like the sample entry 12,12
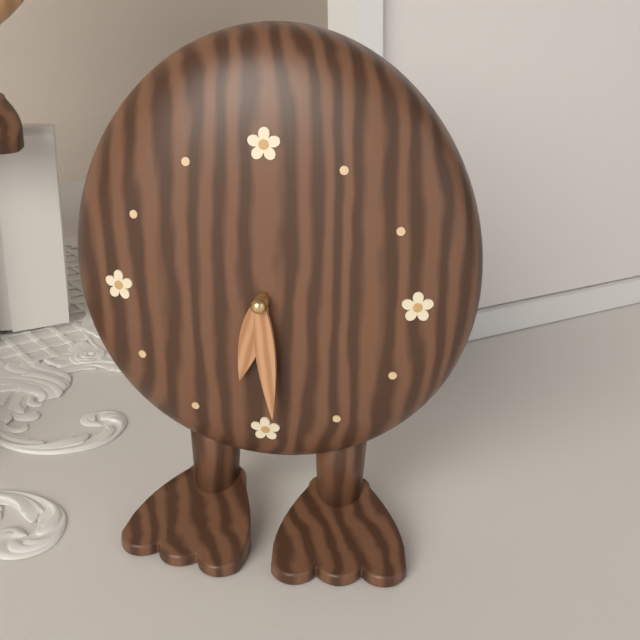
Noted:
6,29
